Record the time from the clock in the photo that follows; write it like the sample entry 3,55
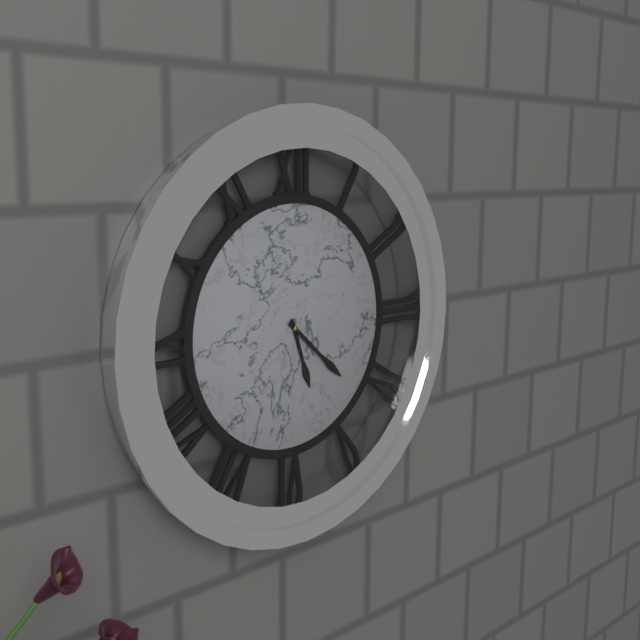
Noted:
5,22
